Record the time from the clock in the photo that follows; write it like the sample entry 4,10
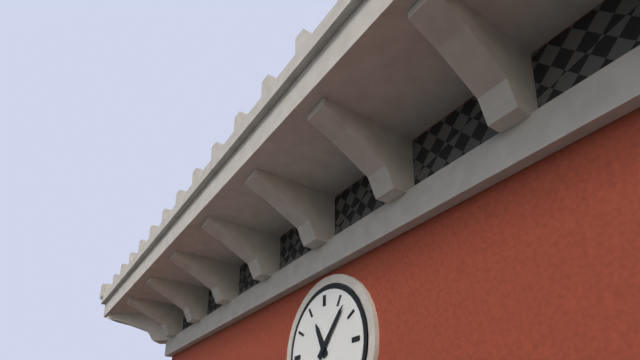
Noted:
11,07
